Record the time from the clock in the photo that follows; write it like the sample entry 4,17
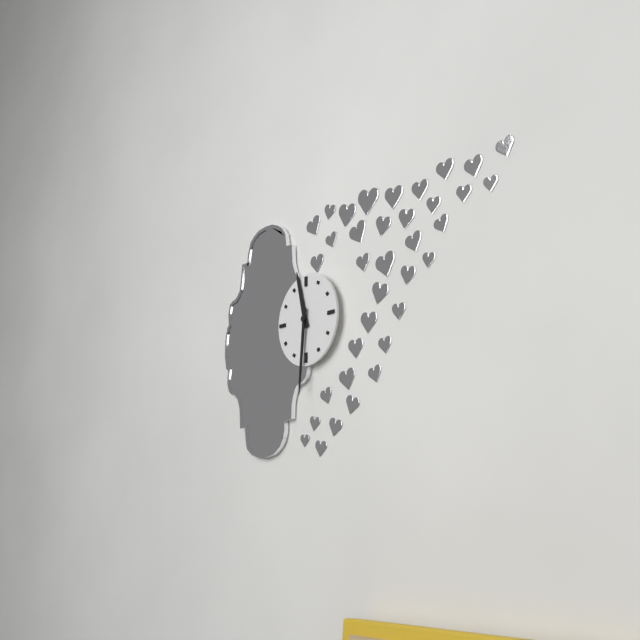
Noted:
11,31
